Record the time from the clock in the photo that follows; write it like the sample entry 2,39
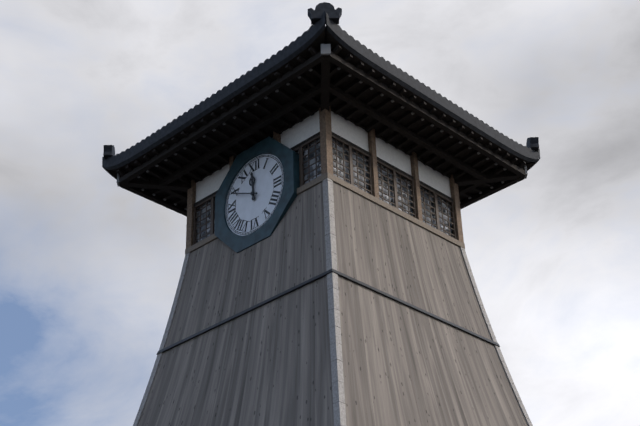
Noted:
11,49
